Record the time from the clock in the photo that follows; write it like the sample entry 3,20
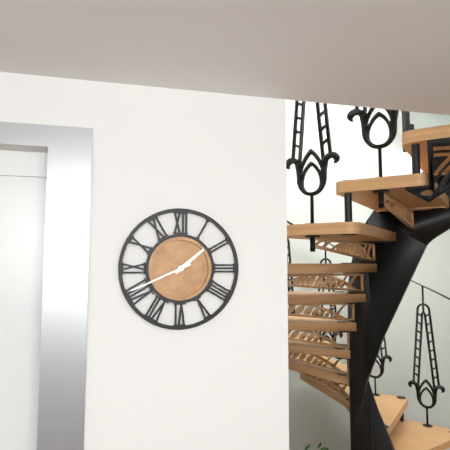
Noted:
1,41
